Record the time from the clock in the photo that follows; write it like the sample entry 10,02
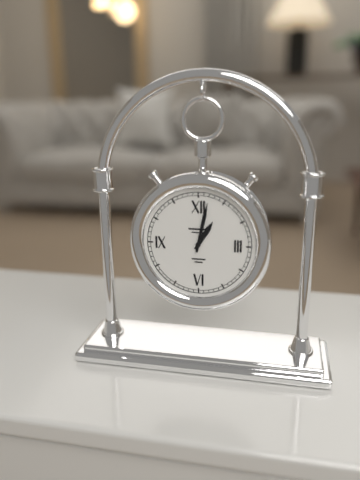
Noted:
1,02
